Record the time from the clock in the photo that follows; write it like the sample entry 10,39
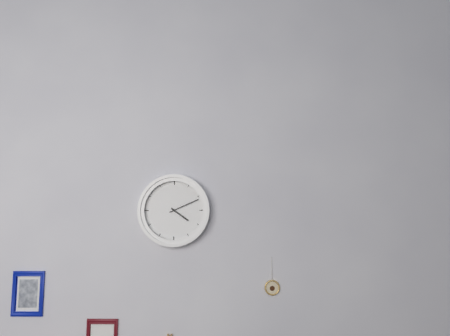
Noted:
4,11
